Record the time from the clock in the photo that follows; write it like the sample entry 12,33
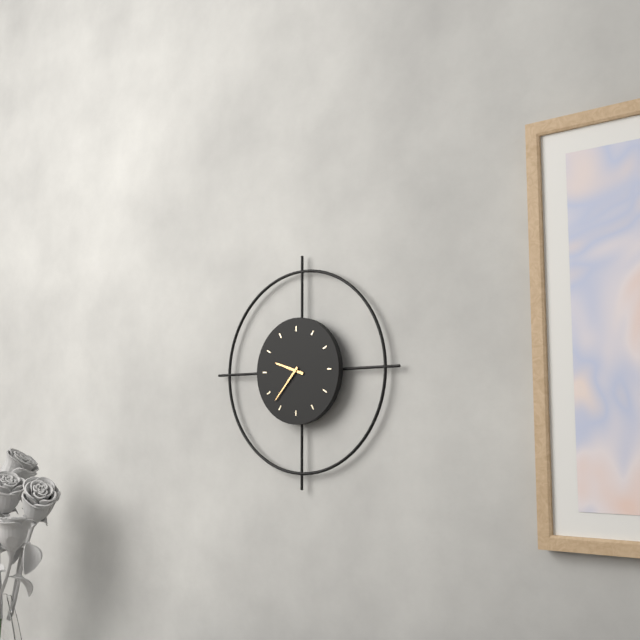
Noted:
9,37
